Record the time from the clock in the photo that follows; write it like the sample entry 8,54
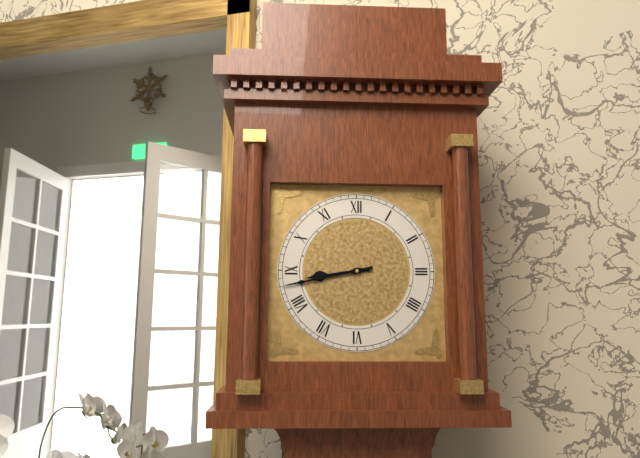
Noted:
8,43
